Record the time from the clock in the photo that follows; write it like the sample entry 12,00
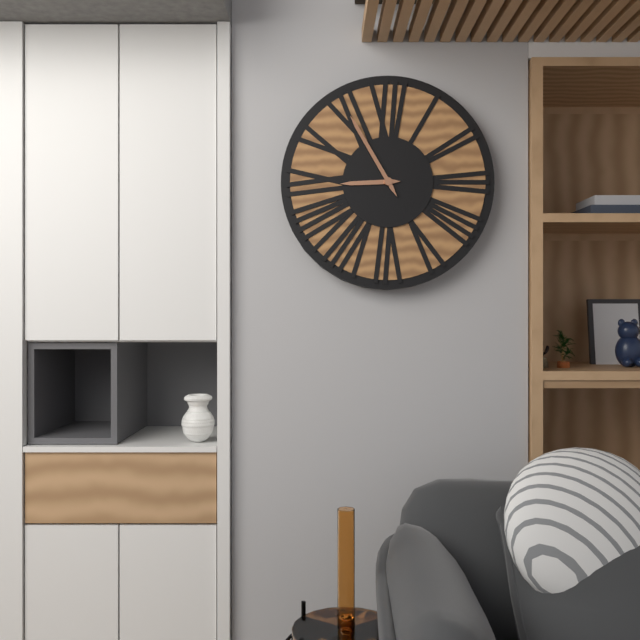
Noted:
8,55
